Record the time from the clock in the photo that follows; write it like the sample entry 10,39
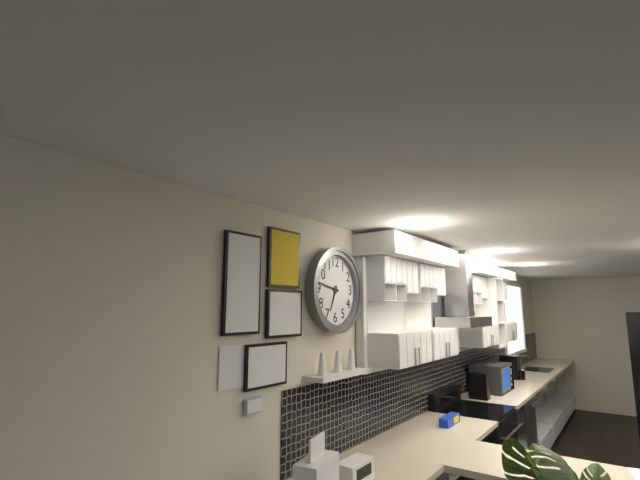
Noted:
6,47
